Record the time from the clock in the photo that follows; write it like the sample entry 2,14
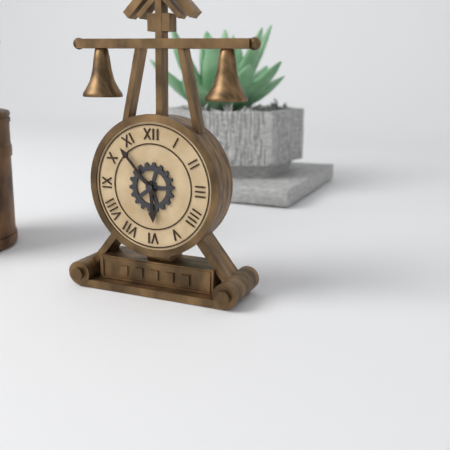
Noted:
5,53
